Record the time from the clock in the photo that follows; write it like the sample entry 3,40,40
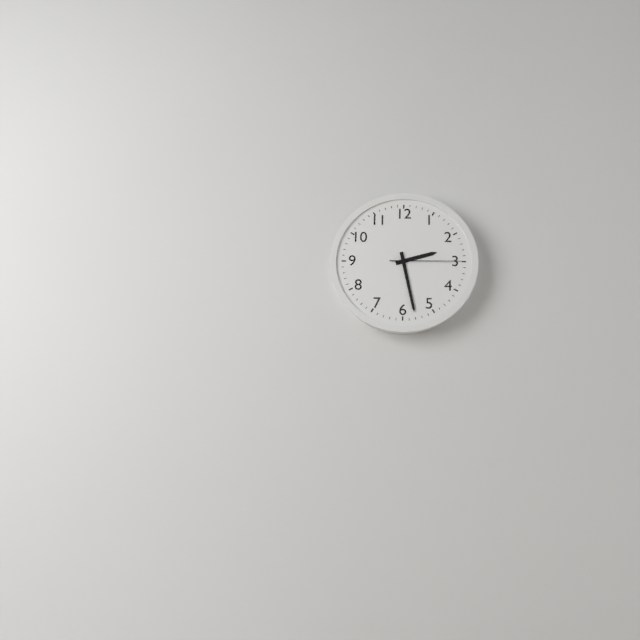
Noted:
2,28,15
